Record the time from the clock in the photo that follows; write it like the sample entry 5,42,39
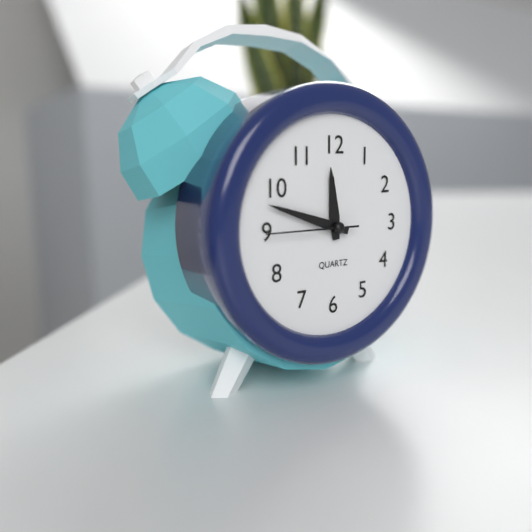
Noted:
11,48,45
